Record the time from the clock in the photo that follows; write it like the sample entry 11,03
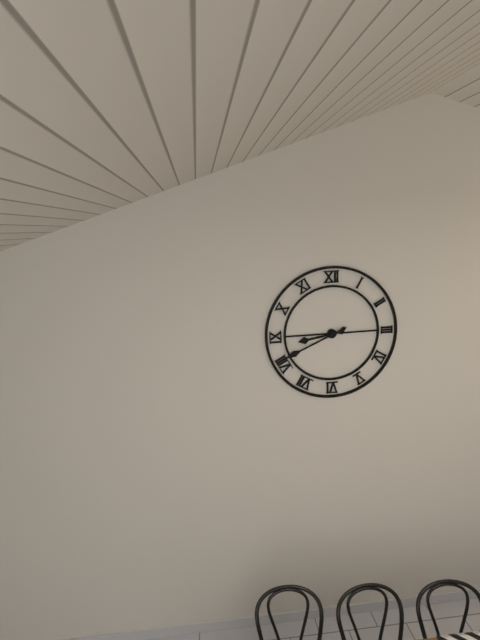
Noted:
8,41
